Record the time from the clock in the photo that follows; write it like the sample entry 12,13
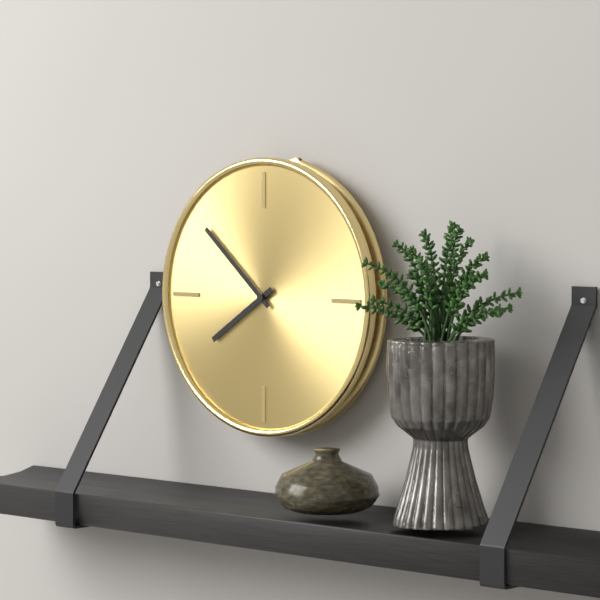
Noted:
7,52
